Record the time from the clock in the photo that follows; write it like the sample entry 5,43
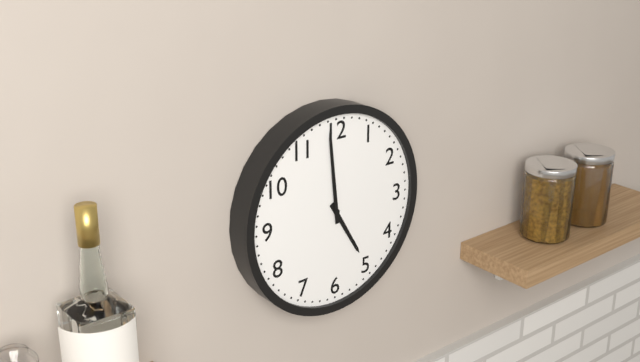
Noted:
4,59
